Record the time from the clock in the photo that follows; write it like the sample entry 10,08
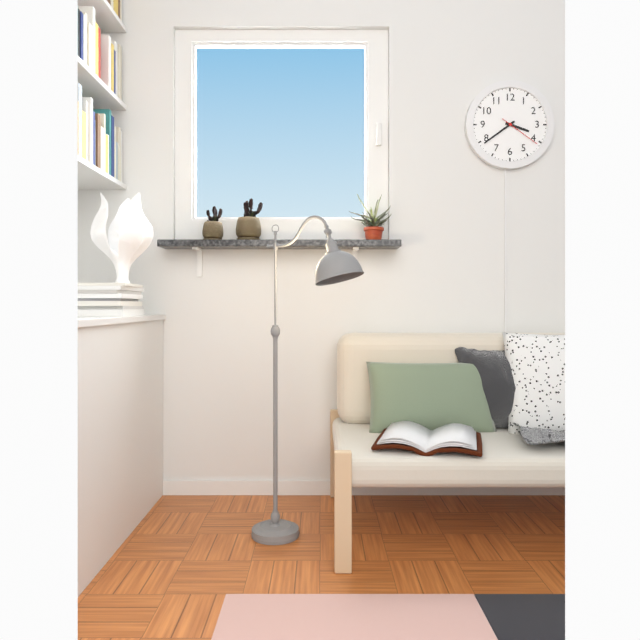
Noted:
3,39
